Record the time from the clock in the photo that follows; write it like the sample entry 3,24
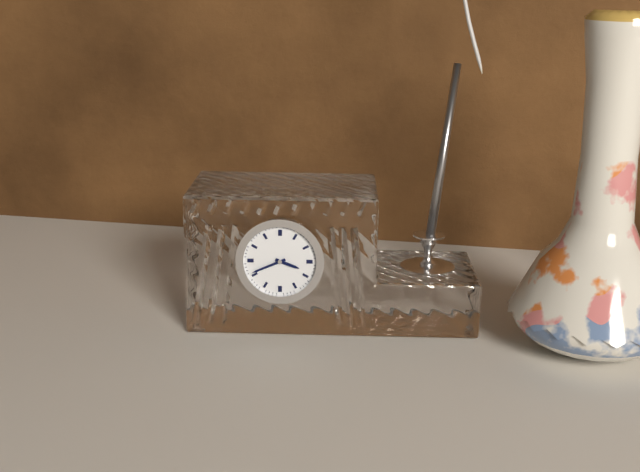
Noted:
3,41
